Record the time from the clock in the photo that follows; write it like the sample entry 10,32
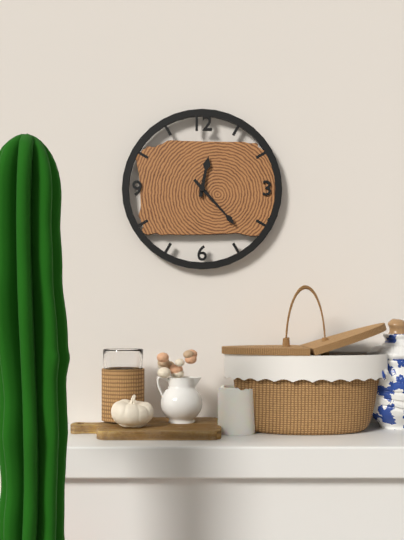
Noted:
12,23
